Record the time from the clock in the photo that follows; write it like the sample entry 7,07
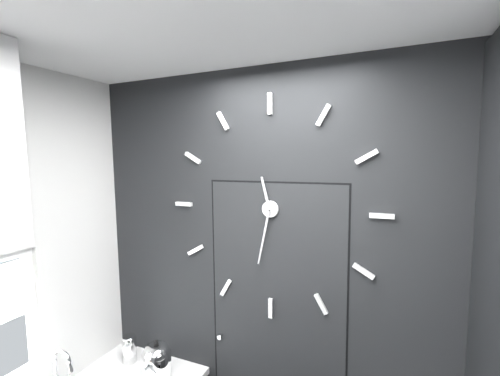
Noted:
11,32
